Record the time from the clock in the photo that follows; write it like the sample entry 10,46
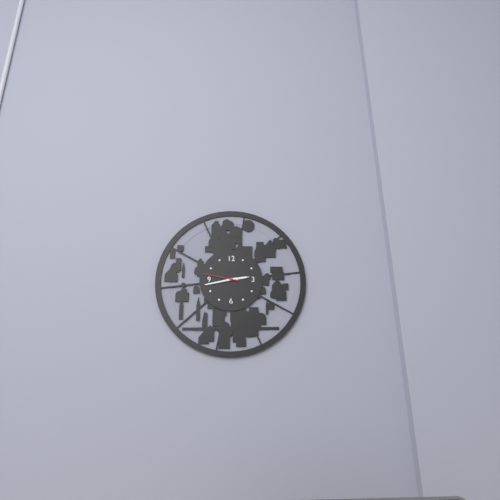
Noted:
2,43
